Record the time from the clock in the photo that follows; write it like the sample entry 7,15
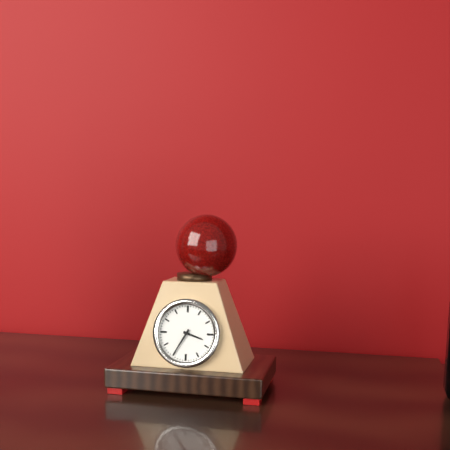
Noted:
3,35
